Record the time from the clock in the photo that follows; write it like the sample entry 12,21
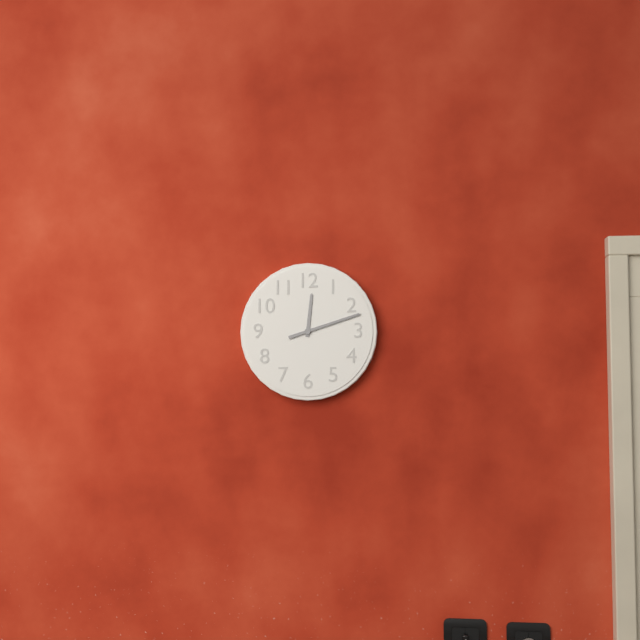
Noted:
12,12
